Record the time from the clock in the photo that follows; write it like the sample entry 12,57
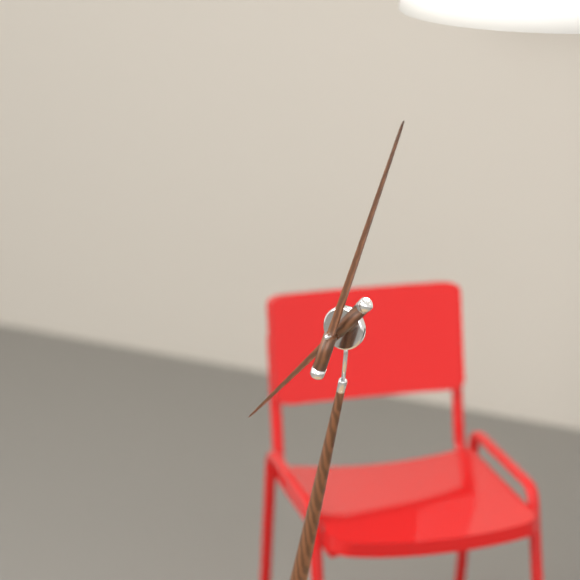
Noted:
7,01
